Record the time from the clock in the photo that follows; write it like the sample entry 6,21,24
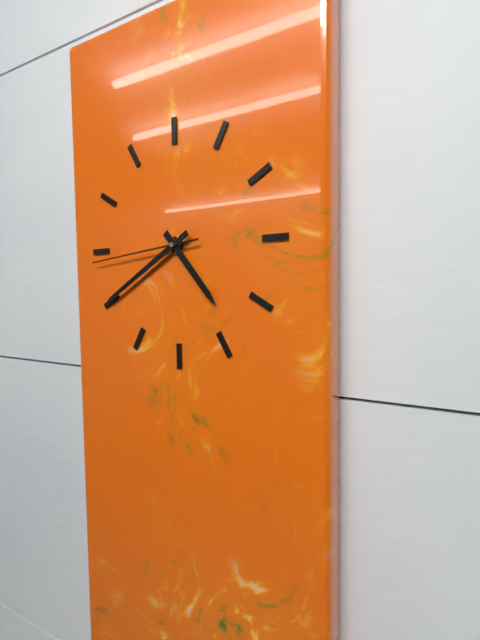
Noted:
4,40,44
